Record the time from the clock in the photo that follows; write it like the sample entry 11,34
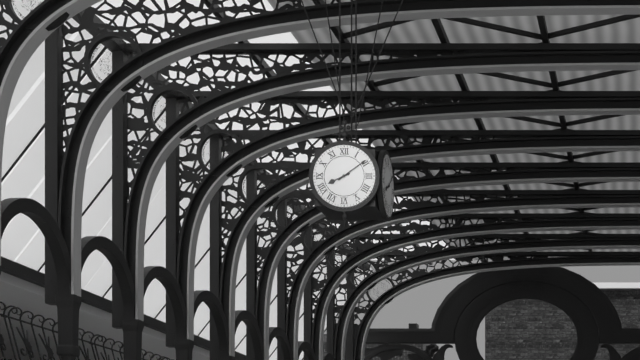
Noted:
8,09
